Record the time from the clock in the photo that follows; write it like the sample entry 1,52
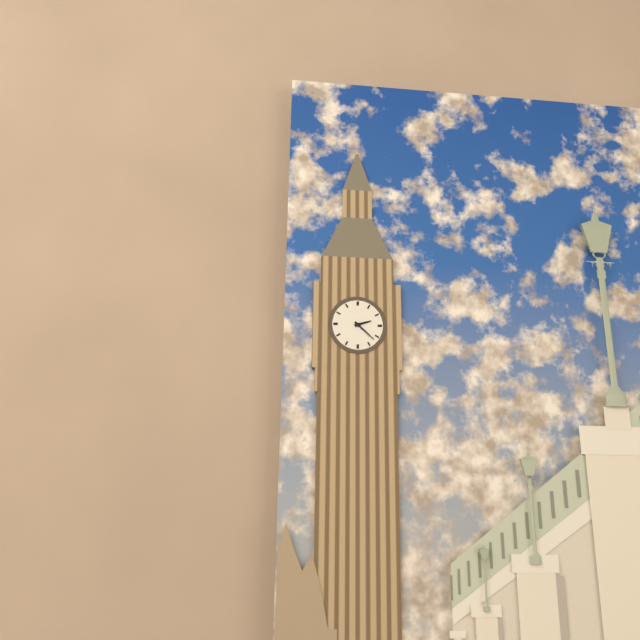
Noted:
2,22
